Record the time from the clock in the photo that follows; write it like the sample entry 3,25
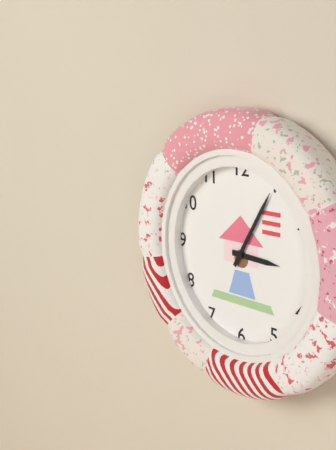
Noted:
3,05
